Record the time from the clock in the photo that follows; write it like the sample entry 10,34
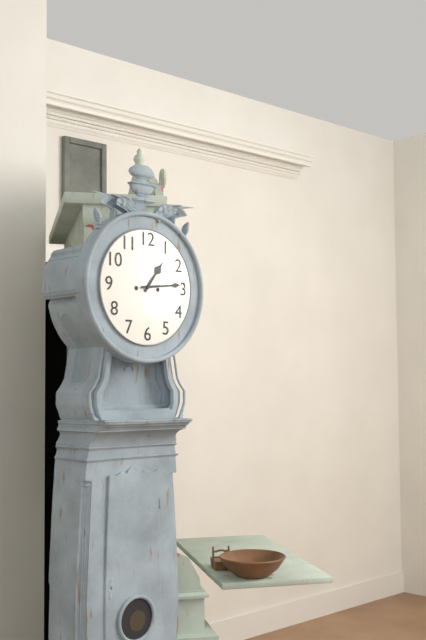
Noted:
1,14
